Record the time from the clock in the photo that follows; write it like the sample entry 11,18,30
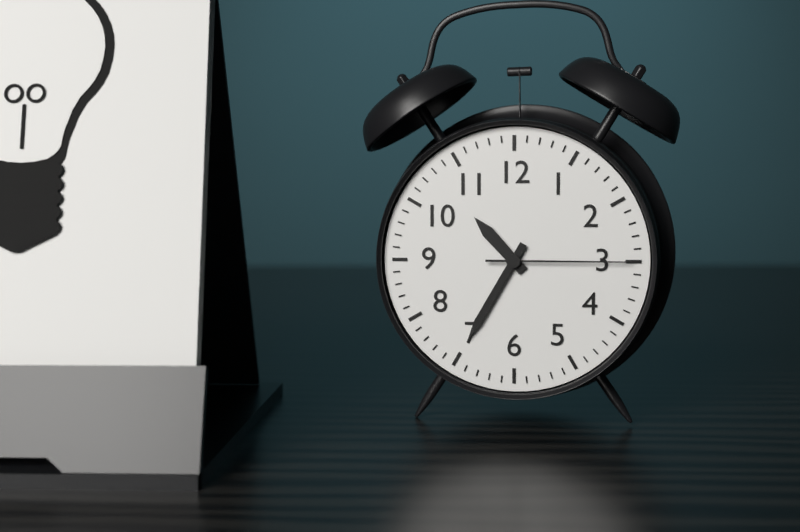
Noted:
10,35,15
